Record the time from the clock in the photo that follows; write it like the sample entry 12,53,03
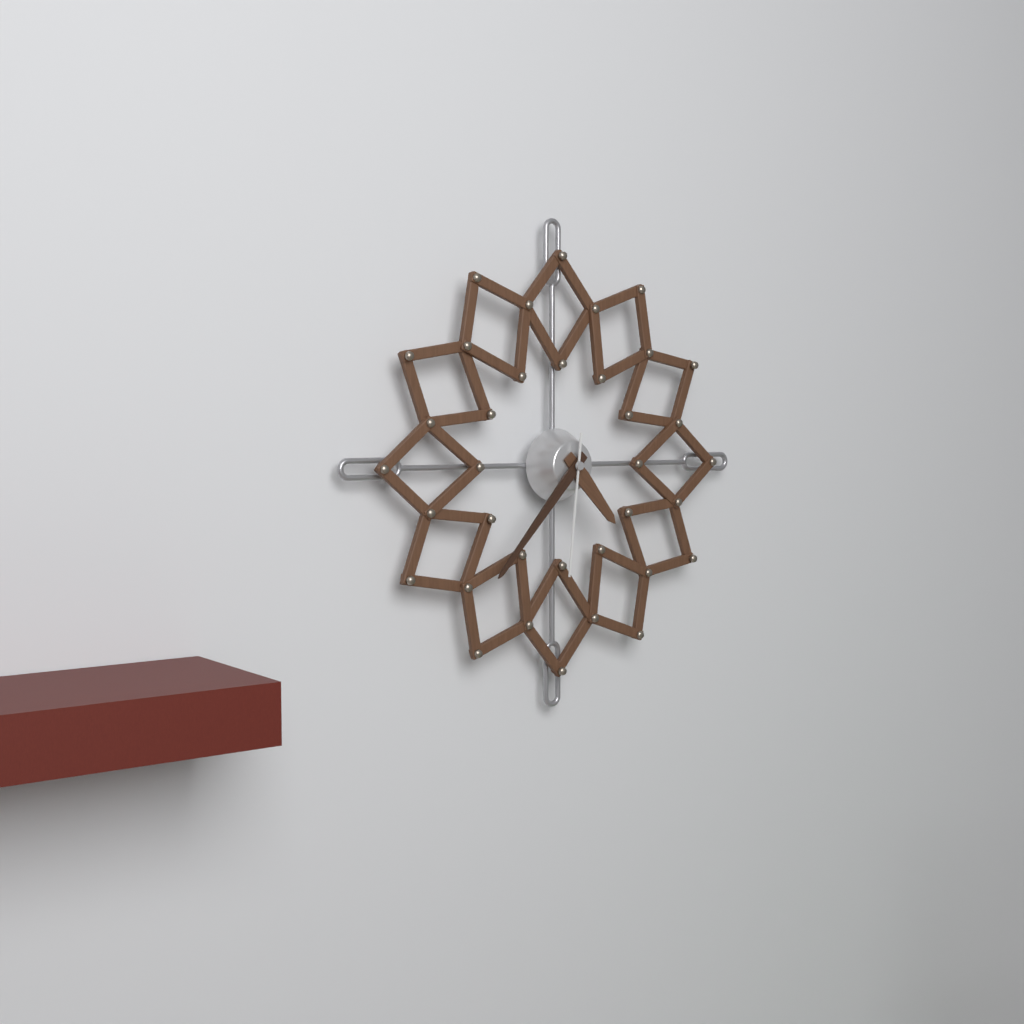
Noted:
4,37,31
